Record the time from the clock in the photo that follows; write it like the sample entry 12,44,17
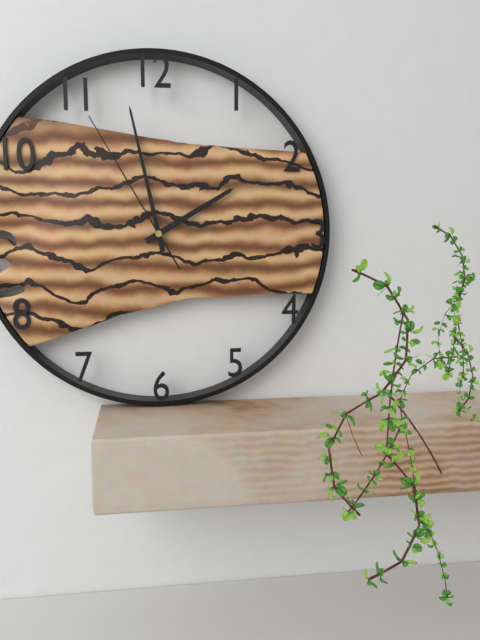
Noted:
1,58,55
